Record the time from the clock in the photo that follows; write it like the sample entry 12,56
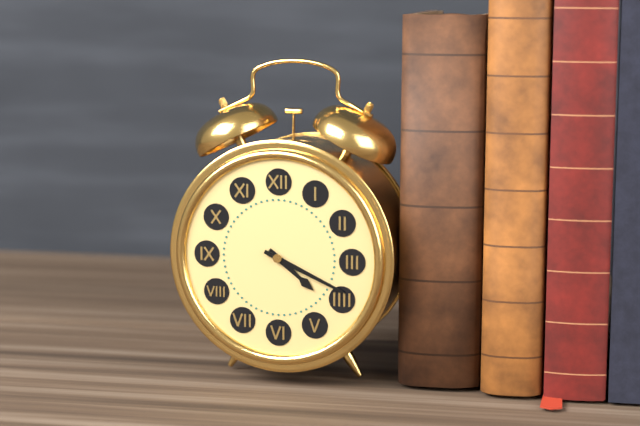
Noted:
4,19
